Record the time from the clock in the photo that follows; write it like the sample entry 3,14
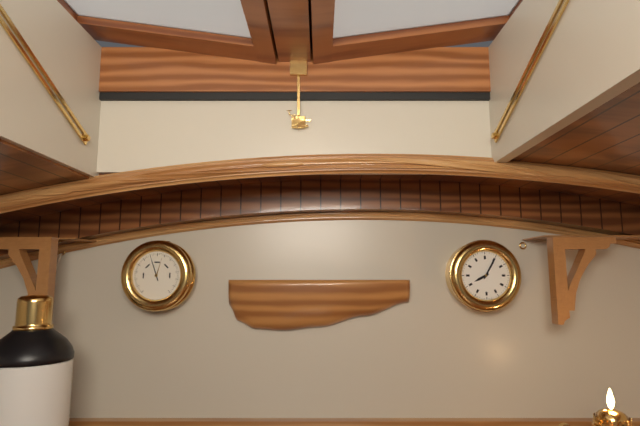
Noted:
8,05
